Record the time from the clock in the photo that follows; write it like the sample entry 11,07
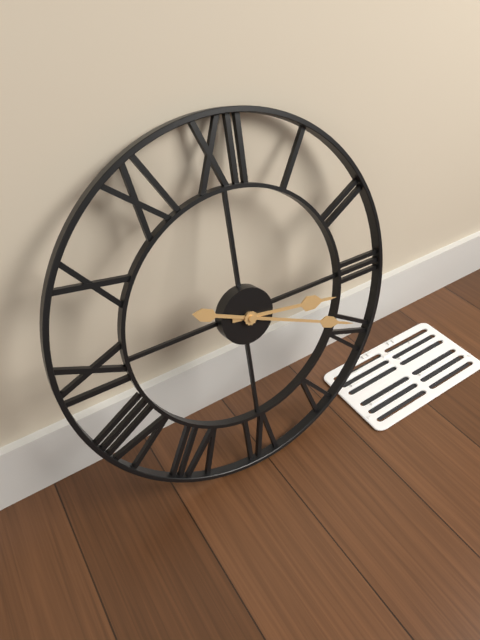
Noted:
3,19
